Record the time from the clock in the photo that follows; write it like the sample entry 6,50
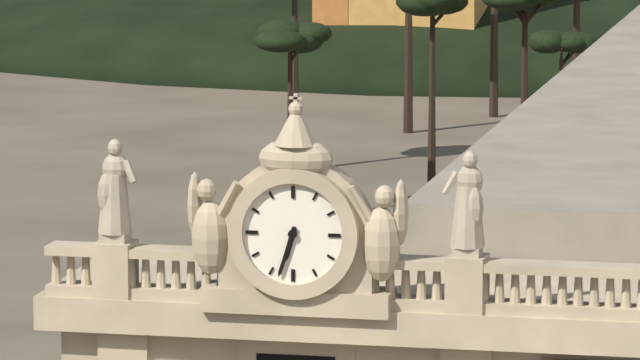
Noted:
6,33
